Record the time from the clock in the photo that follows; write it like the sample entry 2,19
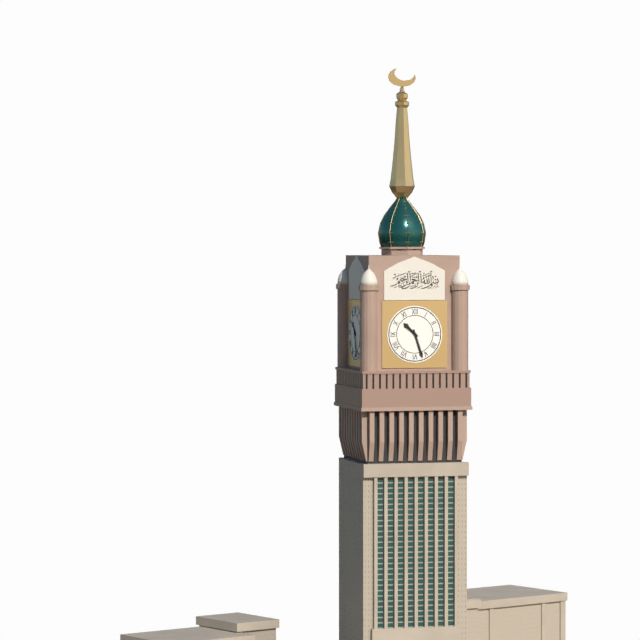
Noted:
10,27
